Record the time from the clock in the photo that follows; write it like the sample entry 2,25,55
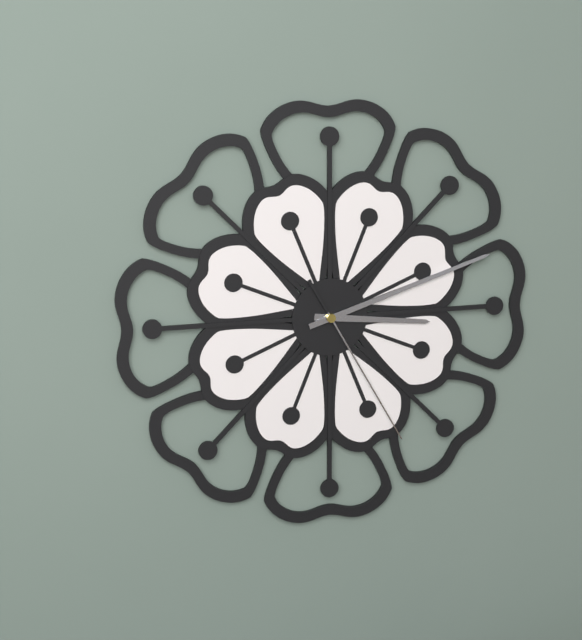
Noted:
3,12,25
